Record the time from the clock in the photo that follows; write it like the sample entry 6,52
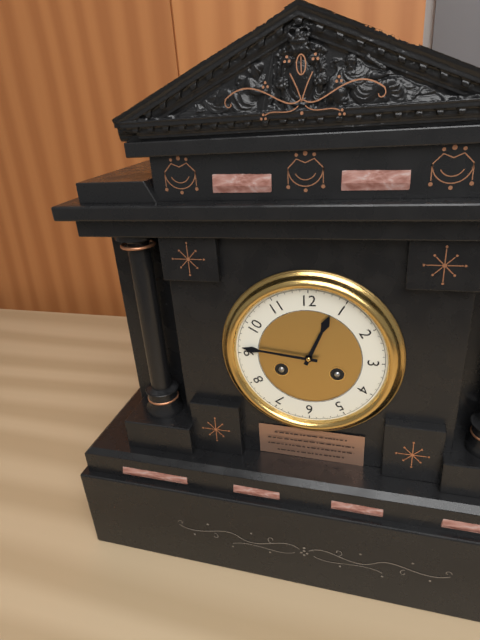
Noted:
12,46
